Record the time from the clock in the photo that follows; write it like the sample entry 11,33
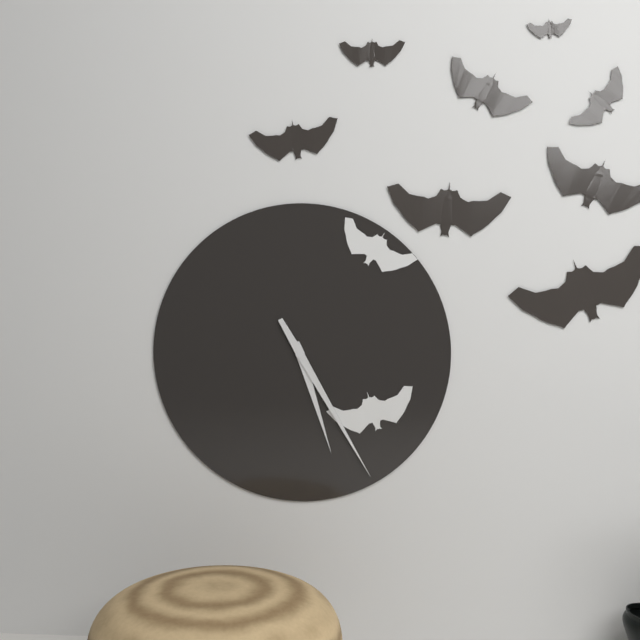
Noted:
5,25
